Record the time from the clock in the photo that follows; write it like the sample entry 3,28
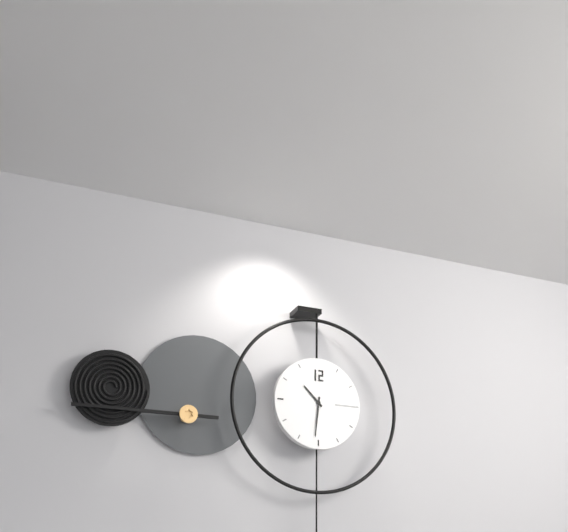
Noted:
10,31
